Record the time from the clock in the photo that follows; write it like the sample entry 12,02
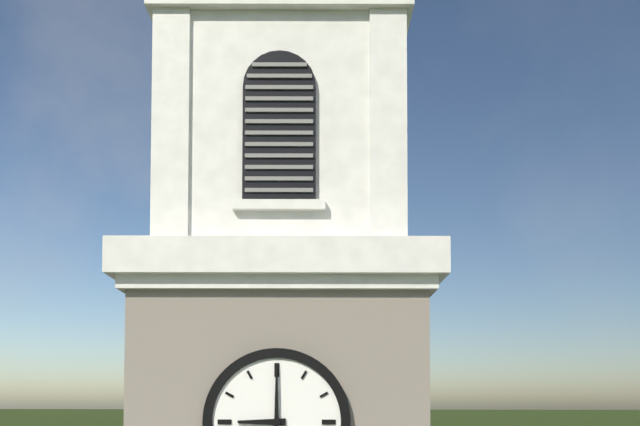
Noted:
9,00
